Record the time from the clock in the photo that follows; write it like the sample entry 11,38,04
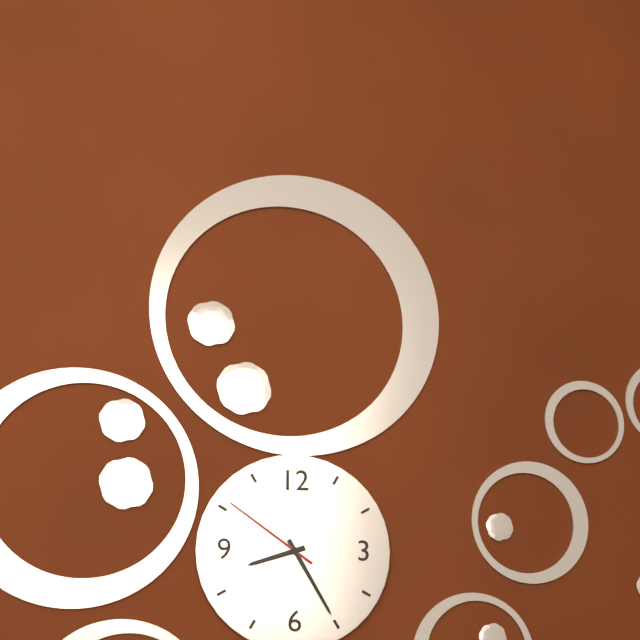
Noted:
8,25,51
